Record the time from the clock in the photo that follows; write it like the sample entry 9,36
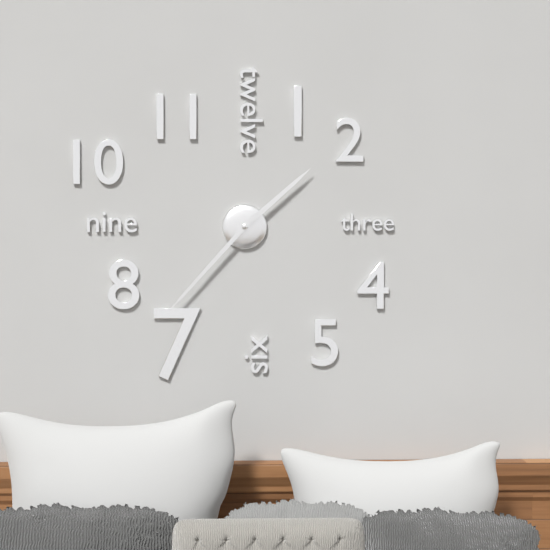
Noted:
1,37
